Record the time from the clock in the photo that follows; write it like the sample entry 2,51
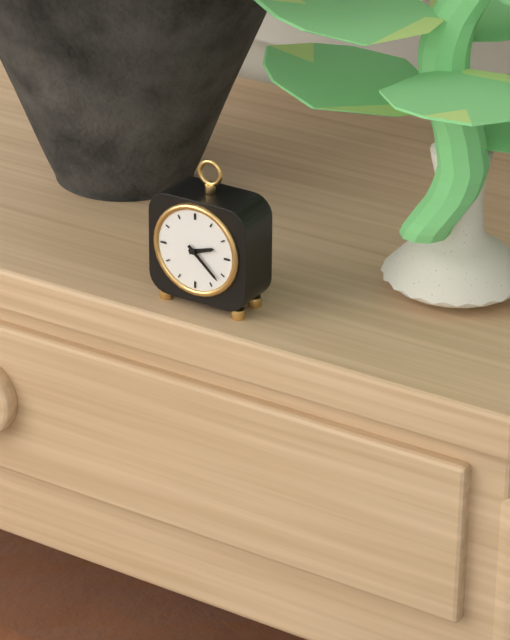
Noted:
2,22
